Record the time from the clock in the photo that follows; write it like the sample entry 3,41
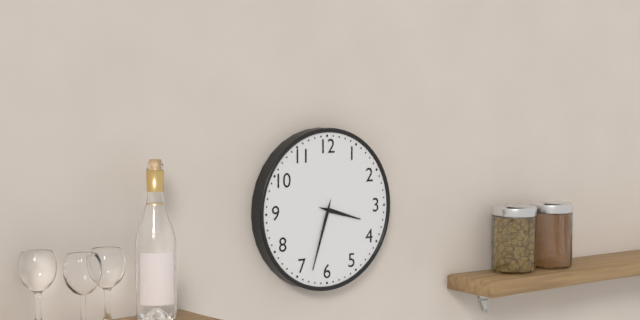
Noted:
3,33
